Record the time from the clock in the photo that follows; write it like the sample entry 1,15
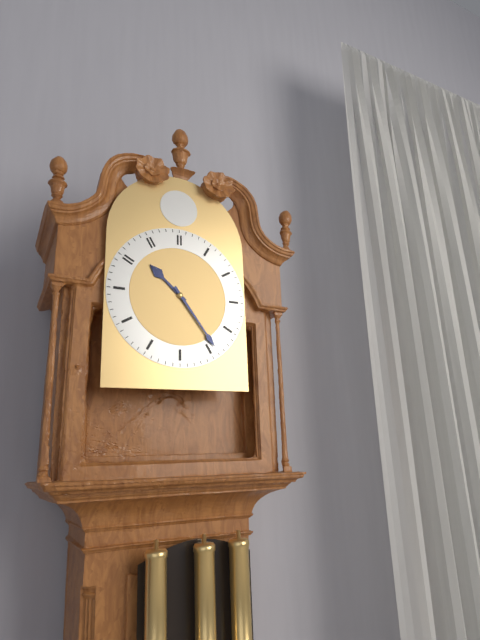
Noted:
10,24
